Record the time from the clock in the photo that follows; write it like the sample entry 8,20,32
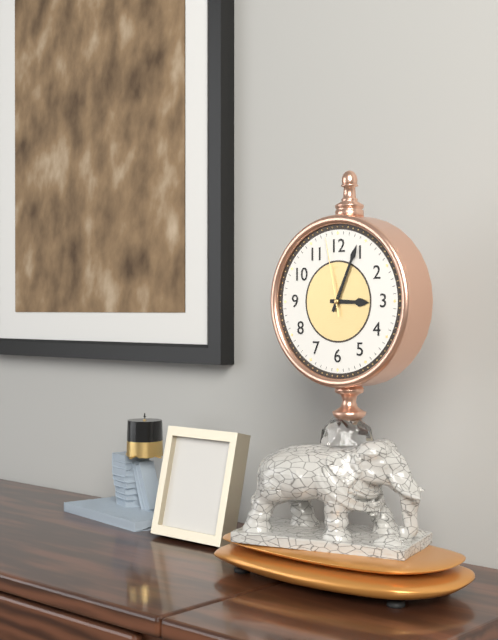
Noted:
3,04,58
